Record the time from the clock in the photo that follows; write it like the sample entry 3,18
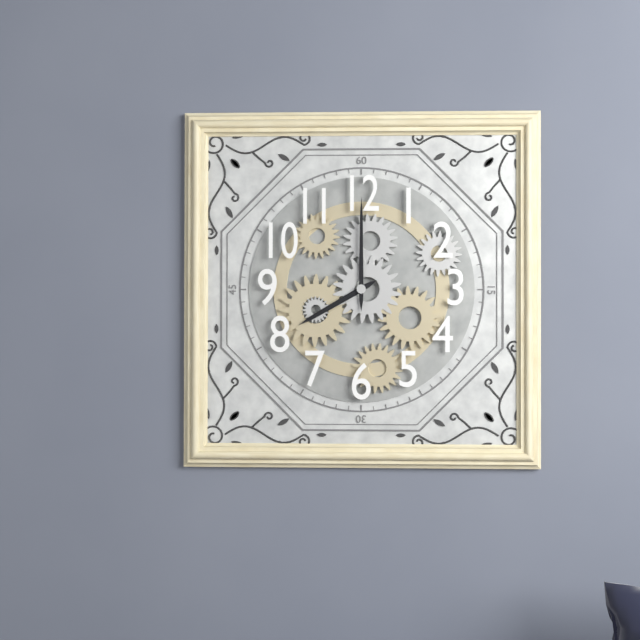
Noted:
8,00
